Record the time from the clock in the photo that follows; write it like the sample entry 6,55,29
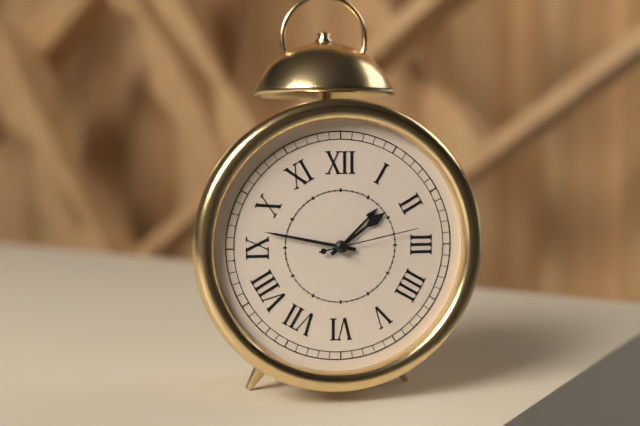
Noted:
1,47,13
